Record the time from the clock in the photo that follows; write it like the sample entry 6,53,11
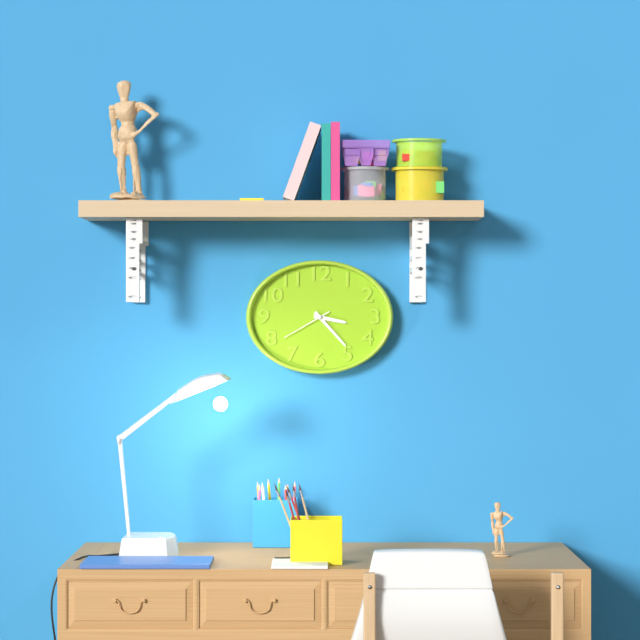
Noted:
3,23,40
